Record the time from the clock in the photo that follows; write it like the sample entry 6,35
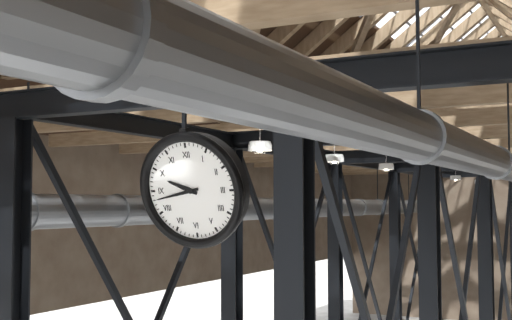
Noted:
9,43
